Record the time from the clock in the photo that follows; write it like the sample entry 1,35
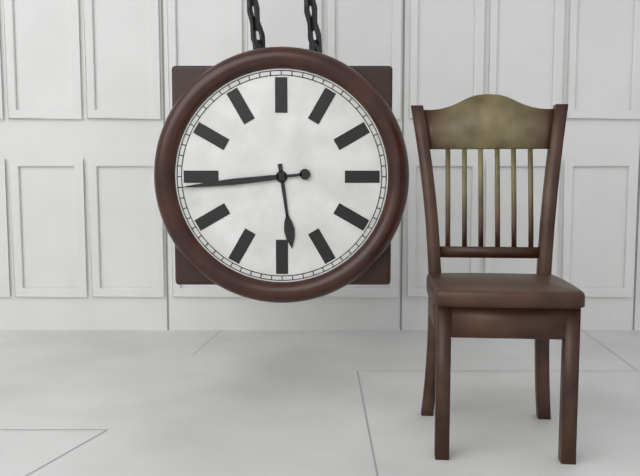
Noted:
5,44
